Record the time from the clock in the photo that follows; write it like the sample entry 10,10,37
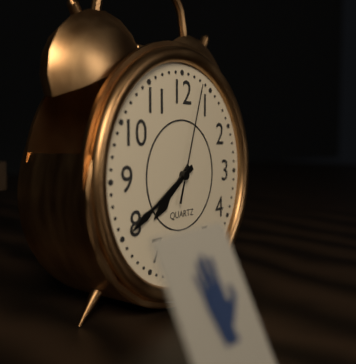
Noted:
7,40,03
